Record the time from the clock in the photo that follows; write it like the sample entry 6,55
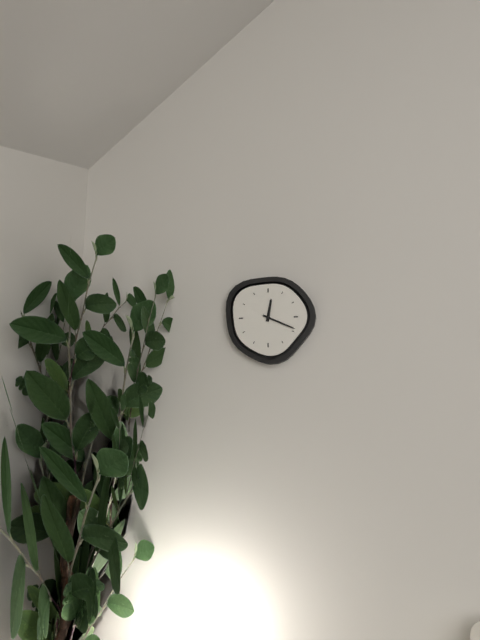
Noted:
12,19
